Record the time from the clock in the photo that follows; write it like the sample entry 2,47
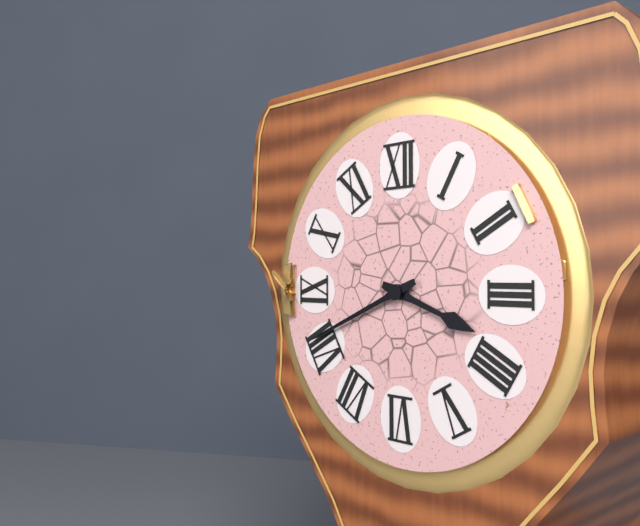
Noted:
3,41
